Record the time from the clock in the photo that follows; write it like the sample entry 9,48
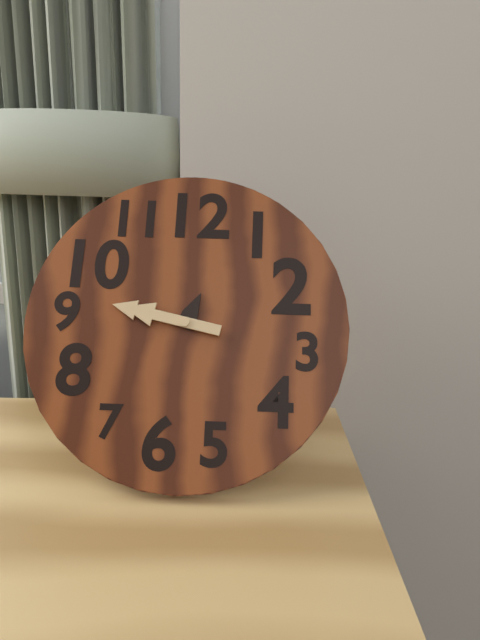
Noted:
12,47
